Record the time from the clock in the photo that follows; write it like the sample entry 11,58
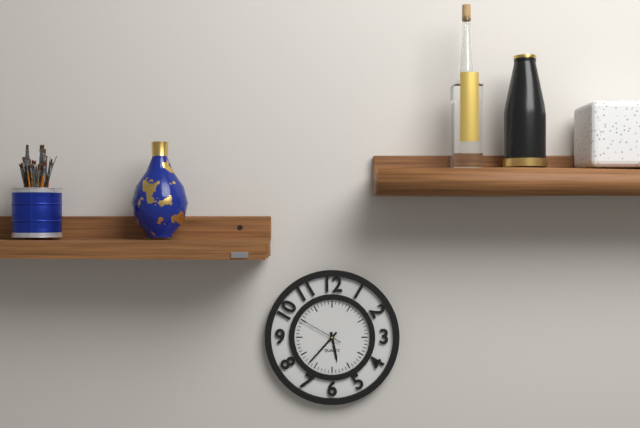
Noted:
5,37
